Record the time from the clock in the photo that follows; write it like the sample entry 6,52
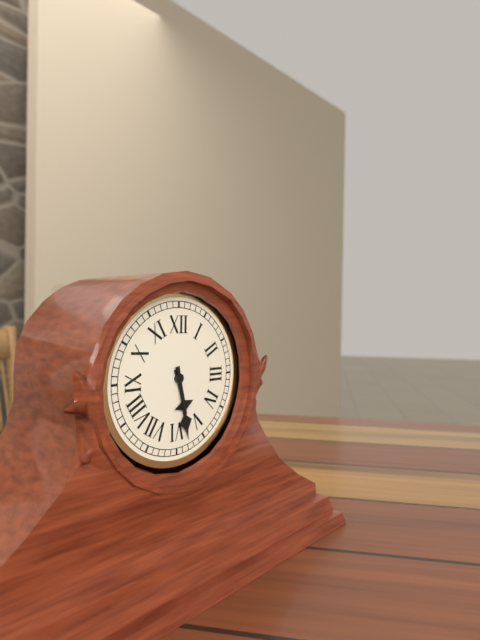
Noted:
5,28
